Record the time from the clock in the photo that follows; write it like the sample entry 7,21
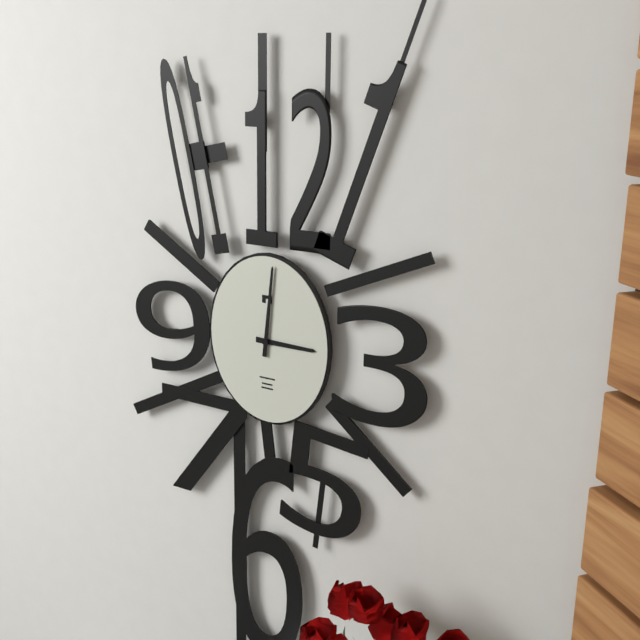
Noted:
3,01
